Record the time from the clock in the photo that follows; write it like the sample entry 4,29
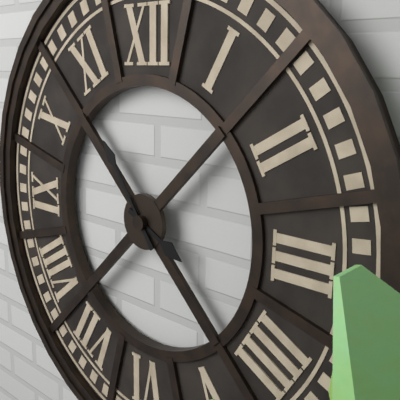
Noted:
3,54
